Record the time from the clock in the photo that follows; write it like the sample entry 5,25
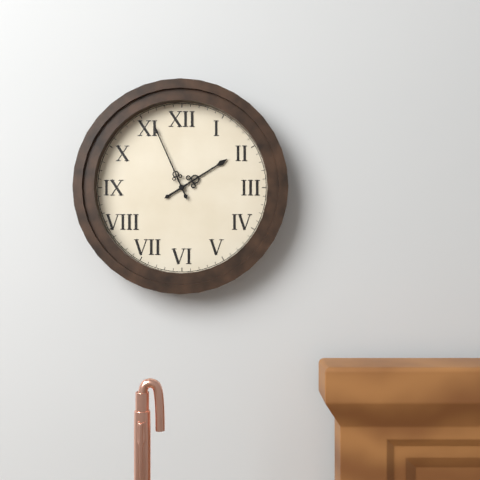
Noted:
1,56
